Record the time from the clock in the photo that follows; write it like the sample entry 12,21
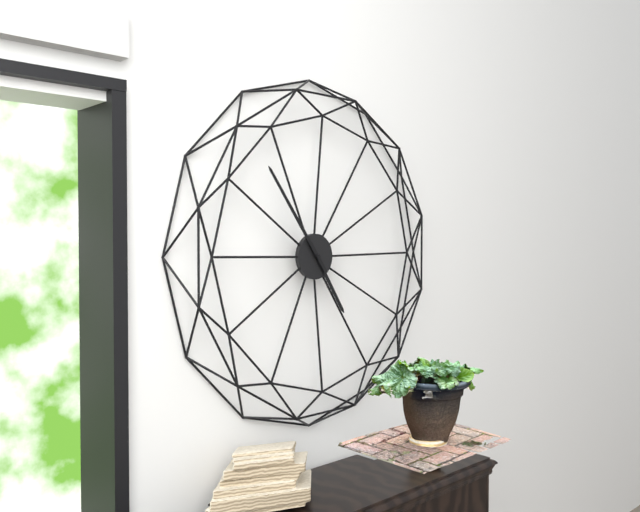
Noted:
4,54
